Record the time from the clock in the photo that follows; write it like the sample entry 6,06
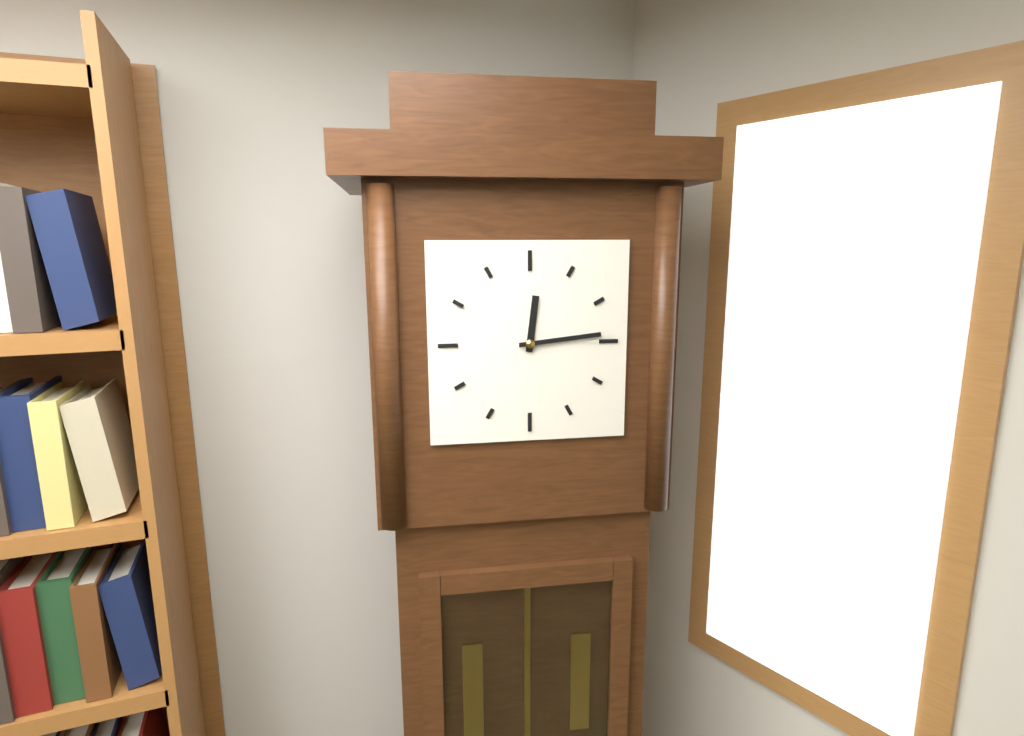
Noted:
12,14
